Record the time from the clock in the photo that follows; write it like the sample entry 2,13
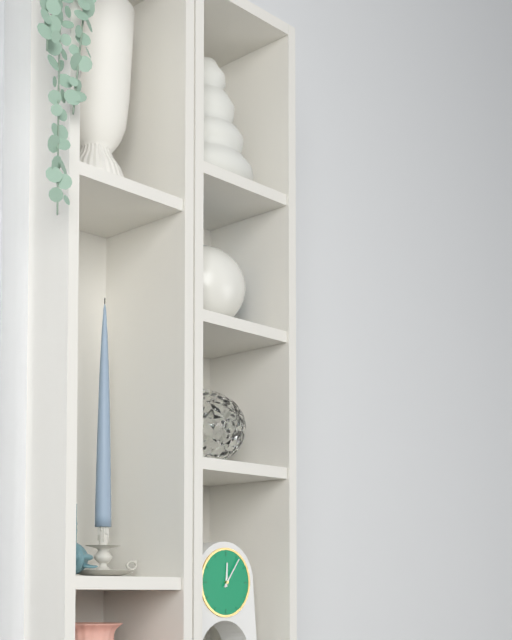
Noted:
12,06
